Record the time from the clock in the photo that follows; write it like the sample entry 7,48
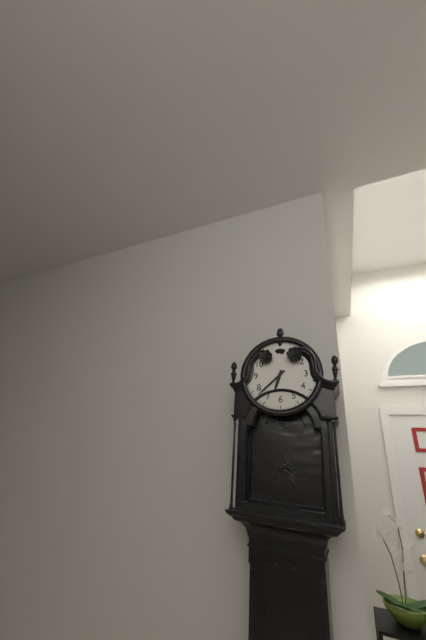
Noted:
6,38
